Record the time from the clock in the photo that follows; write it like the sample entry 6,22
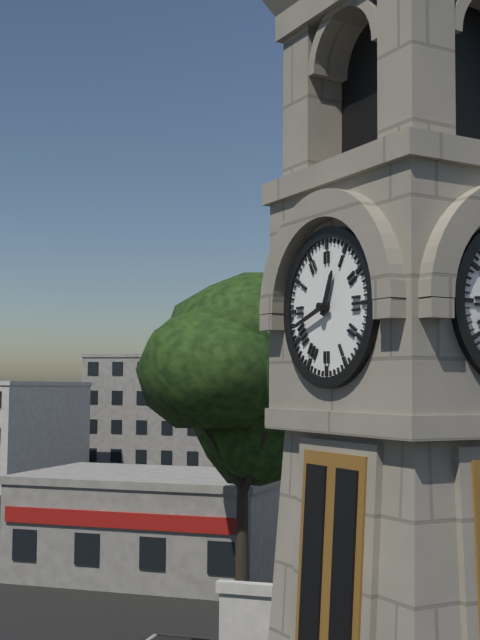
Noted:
12,42
